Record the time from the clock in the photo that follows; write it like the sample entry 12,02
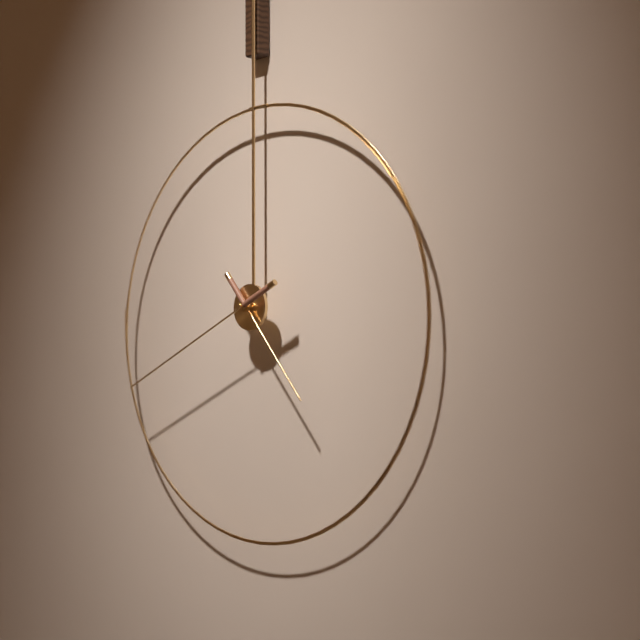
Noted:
4,41
